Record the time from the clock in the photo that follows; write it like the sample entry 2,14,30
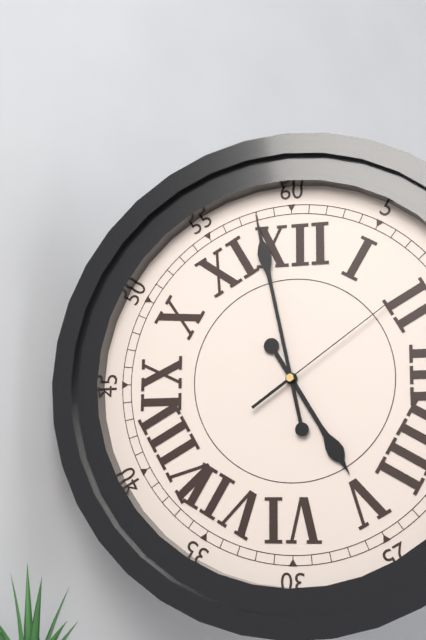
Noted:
4,58,09
